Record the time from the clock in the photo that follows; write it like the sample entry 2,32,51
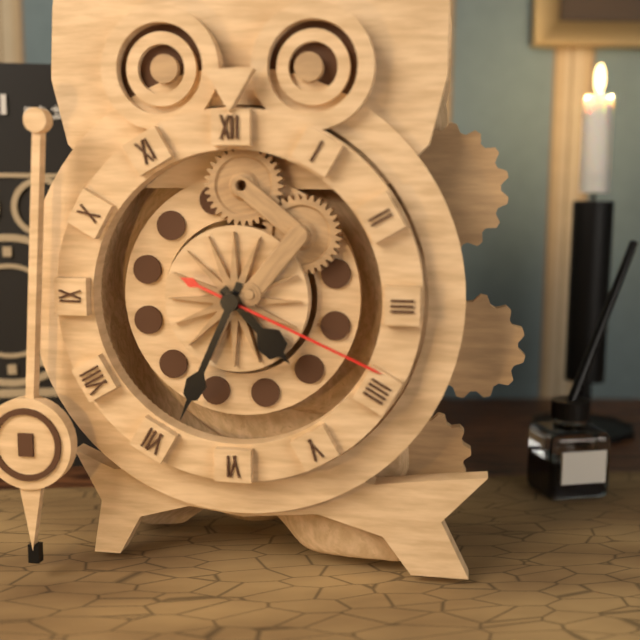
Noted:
4,34,19
